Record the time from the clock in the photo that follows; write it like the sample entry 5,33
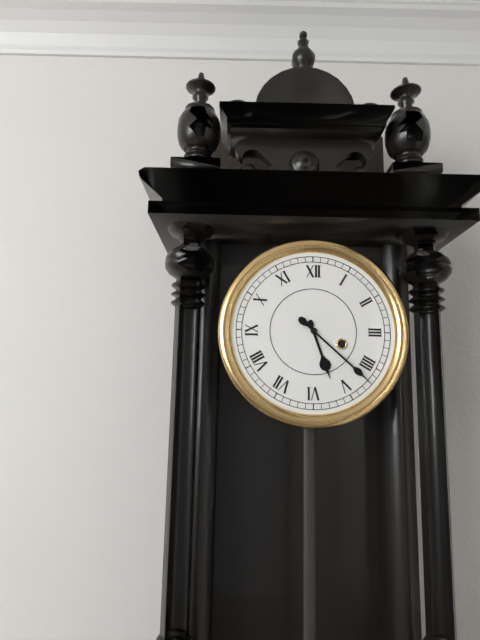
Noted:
5,22
